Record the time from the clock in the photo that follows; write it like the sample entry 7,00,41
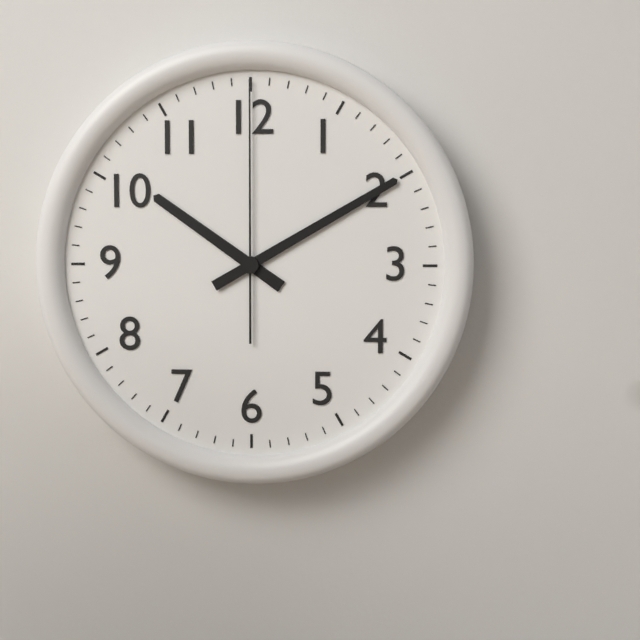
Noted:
10,10,00
